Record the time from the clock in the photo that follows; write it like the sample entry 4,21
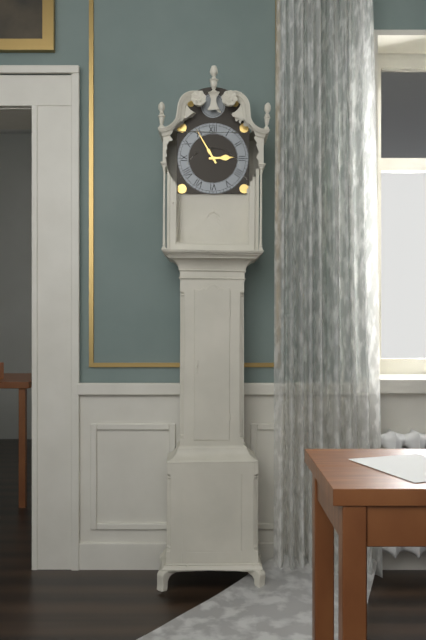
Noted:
2,55
